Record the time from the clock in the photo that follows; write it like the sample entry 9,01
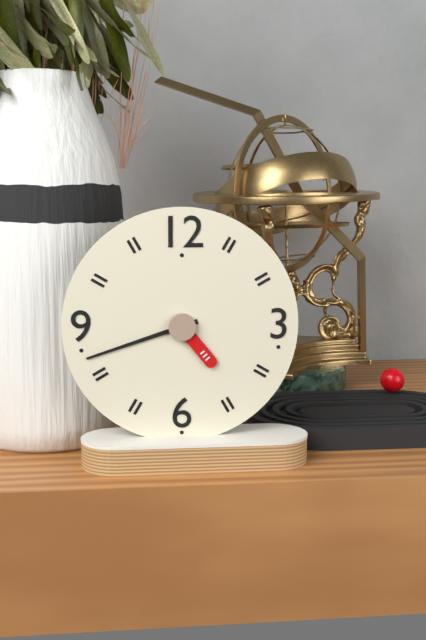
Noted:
4,42
